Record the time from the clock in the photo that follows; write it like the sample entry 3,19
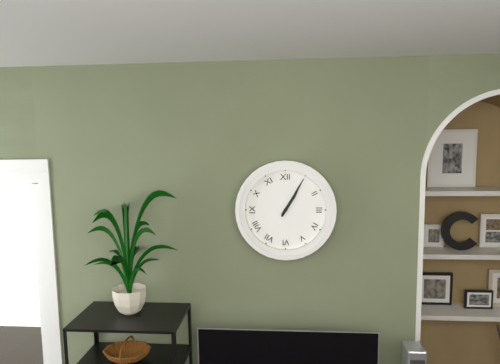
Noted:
1,05
